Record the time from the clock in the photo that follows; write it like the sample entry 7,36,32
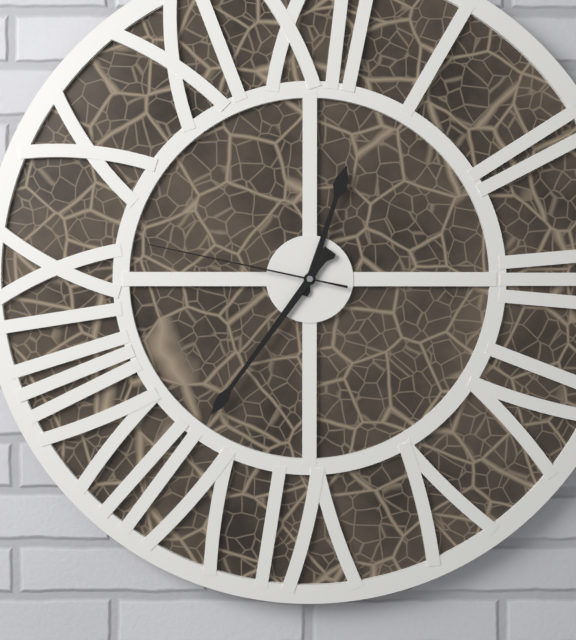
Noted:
12,36,47
